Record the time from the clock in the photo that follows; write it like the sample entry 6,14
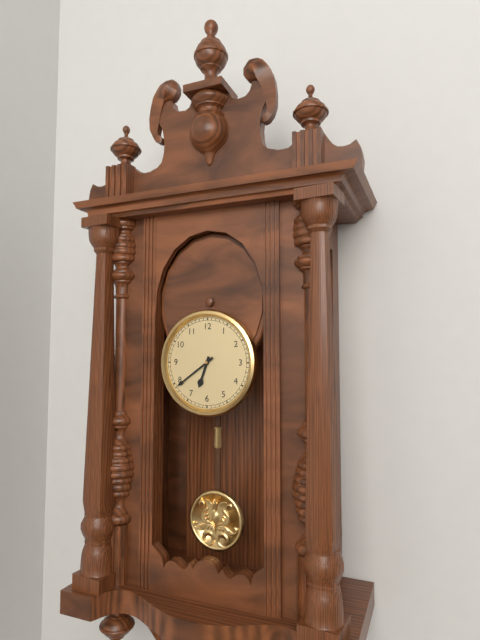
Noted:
6,39
